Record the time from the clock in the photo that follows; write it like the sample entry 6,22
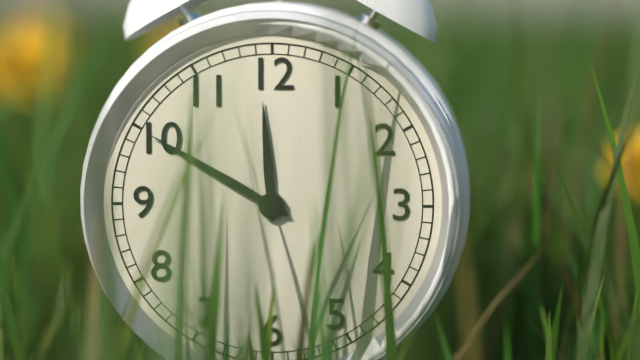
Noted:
11,50
